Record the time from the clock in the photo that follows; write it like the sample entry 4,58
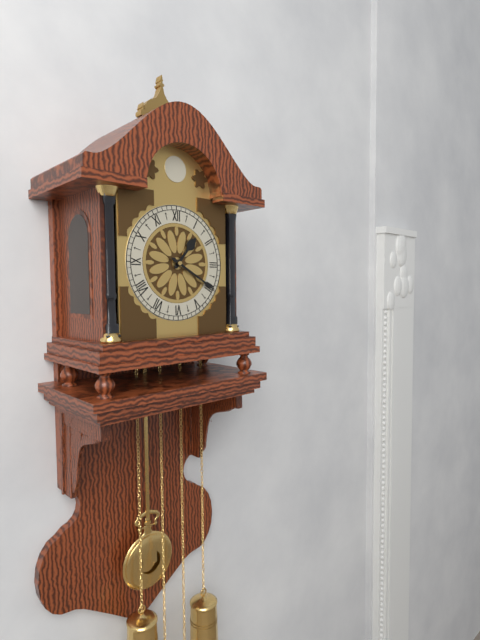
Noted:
1,20
